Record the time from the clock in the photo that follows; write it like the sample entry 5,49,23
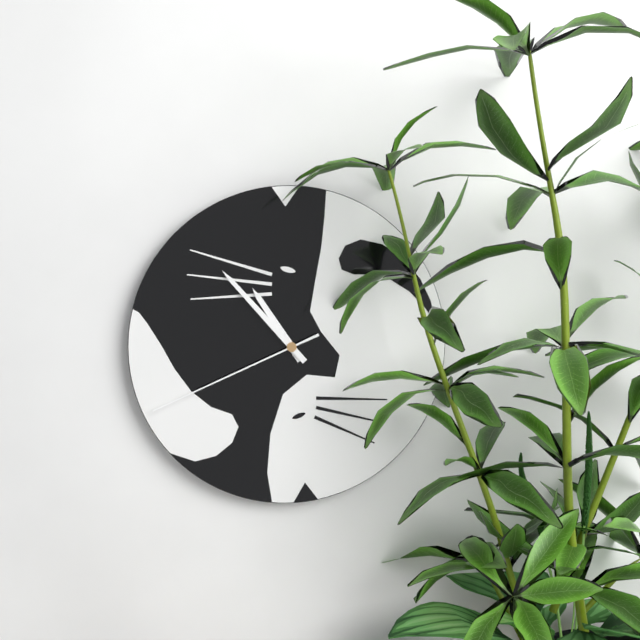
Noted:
10,53,41
